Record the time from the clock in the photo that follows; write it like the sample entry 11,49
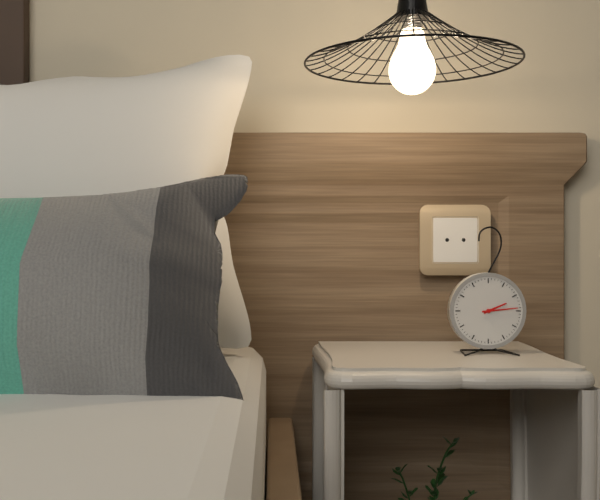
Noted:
2,14
